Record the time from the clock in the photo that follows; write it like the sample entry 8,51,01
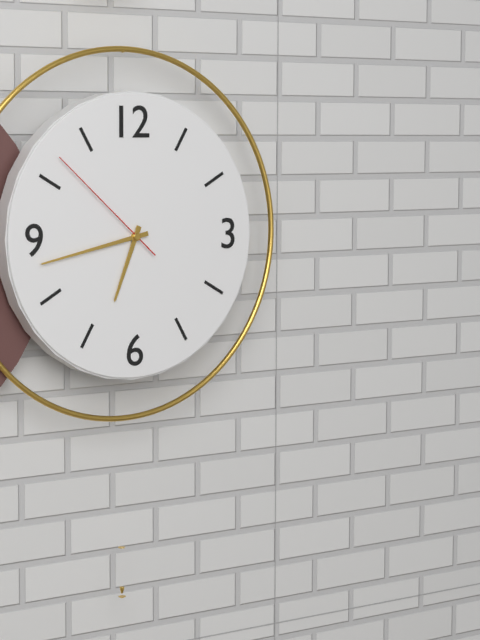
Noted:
6,43,52
